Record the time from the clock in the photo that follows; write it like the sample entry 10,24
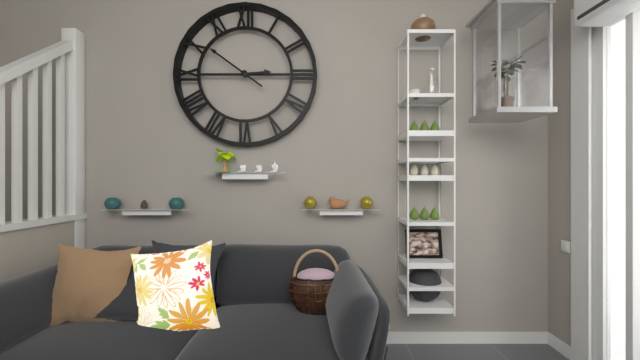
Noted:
2,51
